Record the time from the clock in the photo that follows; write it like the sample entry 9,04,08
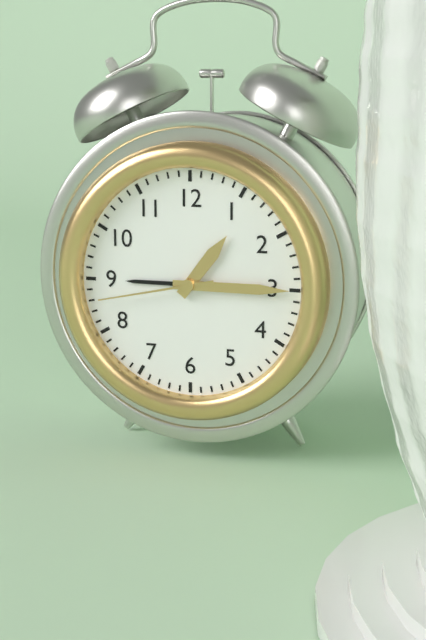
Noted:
1,15,43
